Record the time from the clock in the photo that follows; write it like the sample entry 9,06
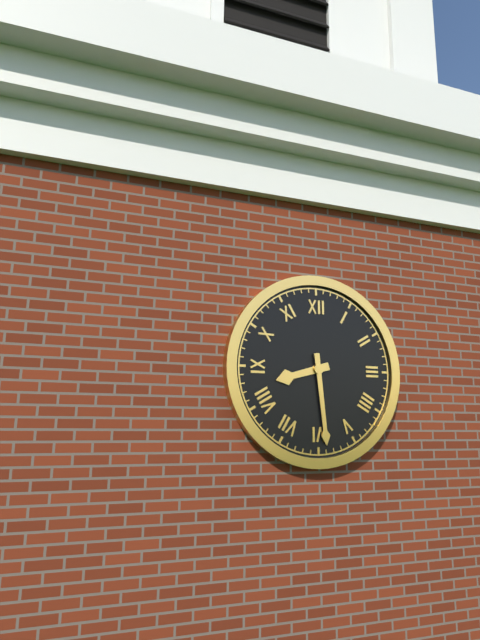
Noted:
8,29
